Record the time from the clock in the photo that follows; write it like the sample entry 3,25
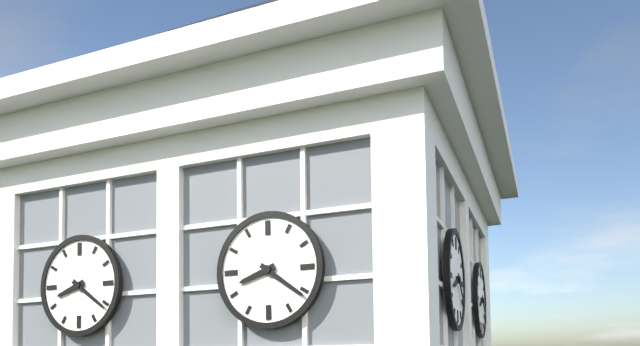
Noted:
8,21
